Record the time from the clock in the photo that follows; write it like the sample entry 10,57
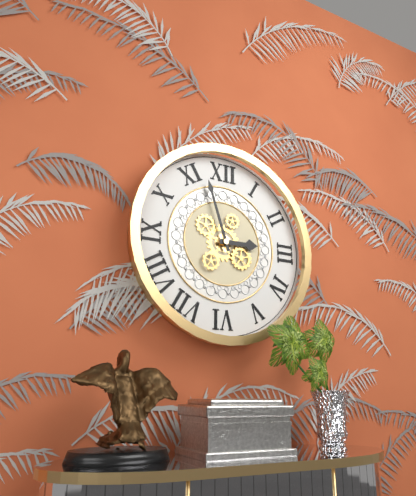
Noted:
2,57
